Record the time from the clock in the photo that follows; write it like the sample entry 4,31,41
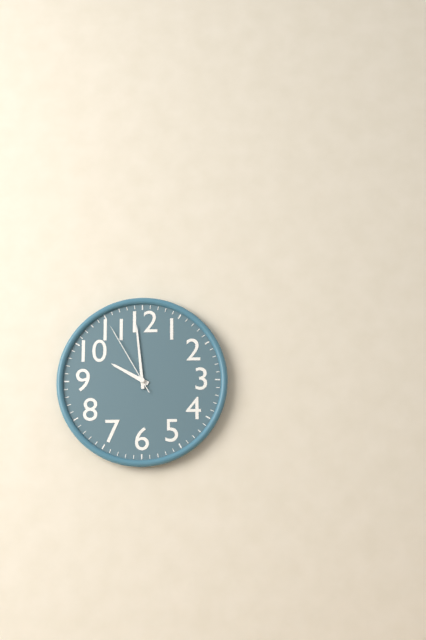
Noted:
9,59,55
